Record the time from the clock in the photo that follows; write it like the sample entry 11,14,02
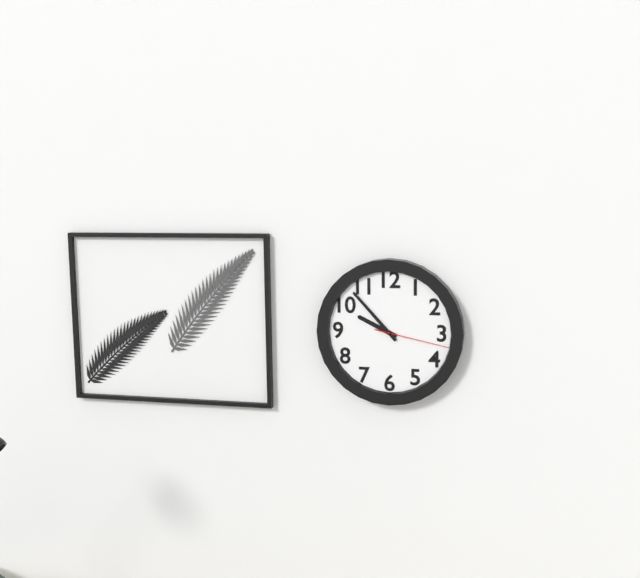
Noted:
9,53,17
